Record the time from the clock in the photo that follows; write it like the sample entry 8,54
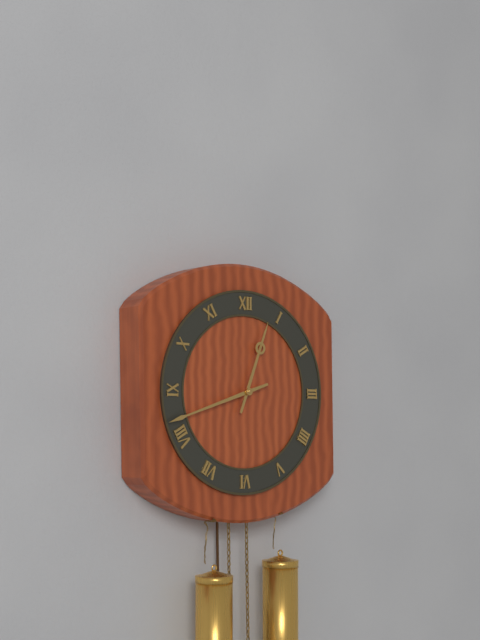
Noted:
12,42
